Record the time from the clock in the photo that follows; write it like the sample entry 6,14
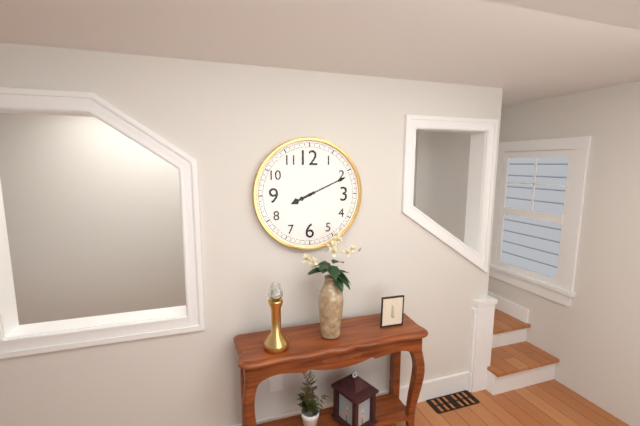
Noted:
8,11
